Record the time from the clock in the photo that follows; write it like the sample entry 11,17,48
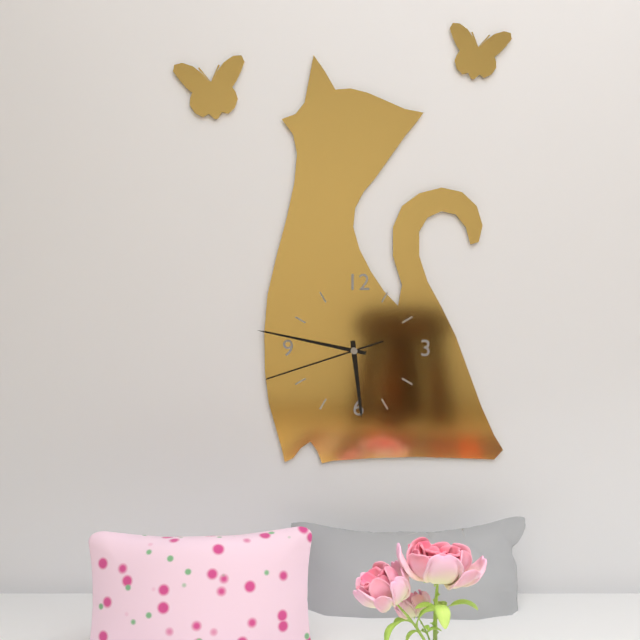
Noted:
5,47,42
